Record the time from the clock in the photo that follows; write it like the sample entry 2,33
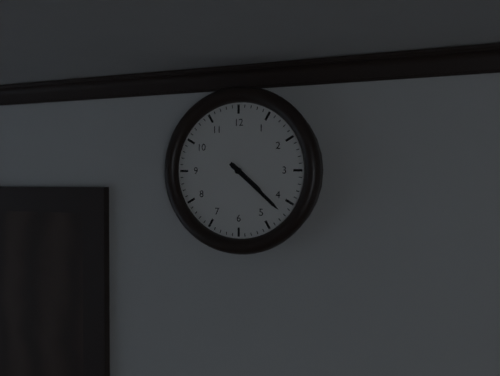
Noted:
4,22
